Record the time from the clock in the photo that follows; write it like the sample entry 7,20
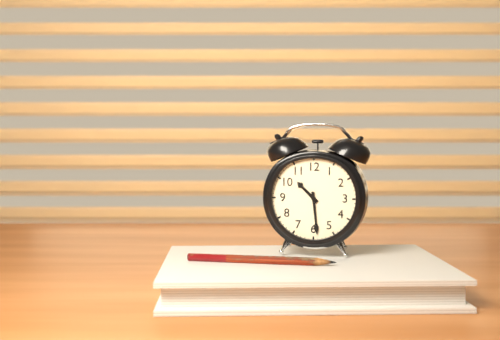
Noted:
10,29
